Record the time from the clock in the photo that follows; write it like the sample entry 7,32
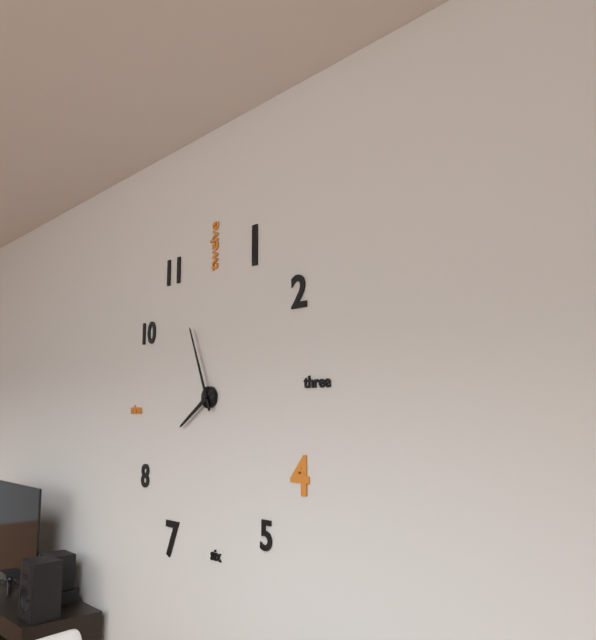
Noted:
7,56
